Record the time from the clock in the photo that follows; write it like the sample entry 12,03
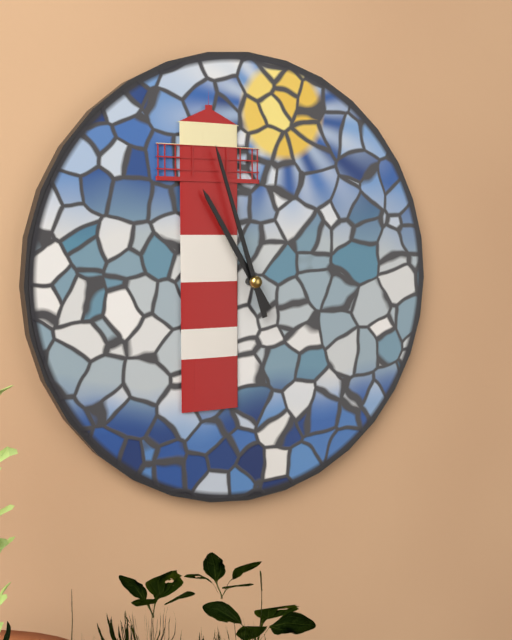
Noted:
10,57
